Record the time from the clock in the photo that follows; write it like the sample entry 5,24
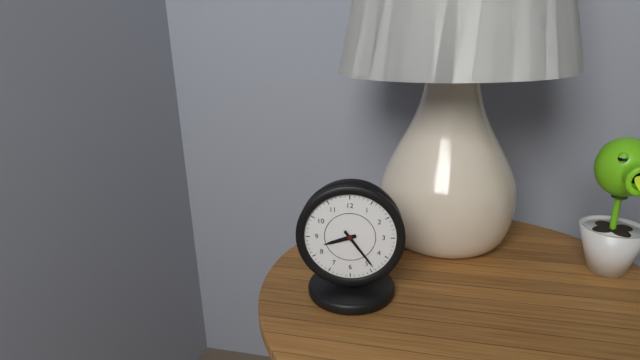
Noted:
8,24
